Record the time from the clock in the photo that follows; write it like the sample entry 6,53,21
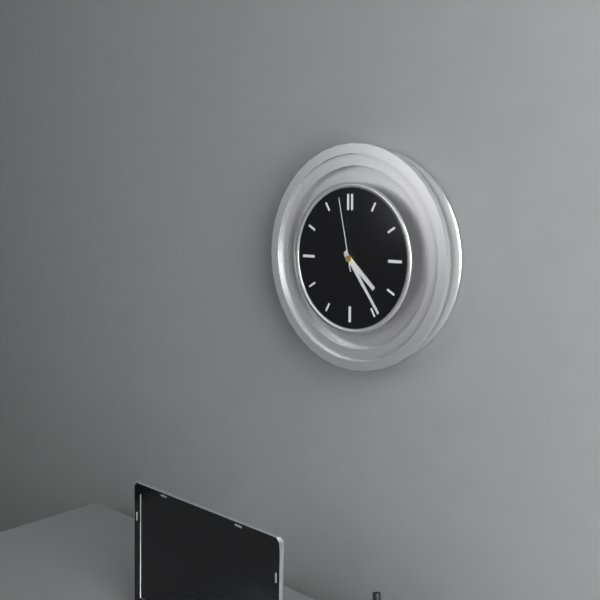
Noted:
4,24,58
